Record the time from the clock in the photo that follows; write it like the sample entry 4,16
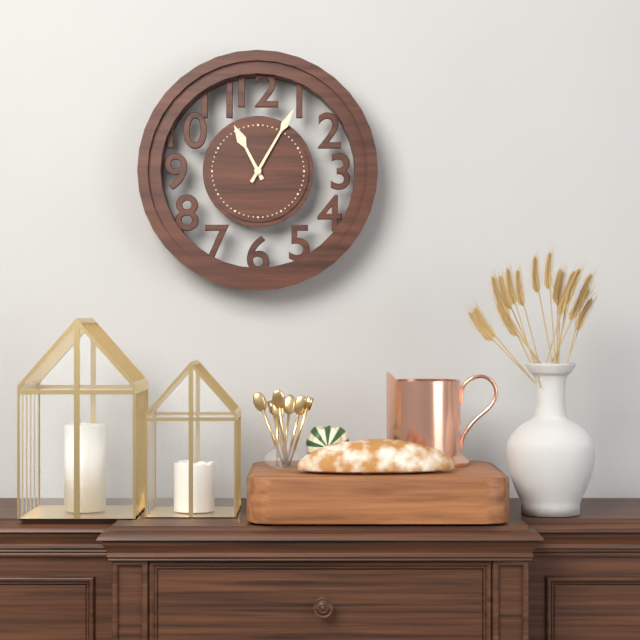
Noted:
11,05
